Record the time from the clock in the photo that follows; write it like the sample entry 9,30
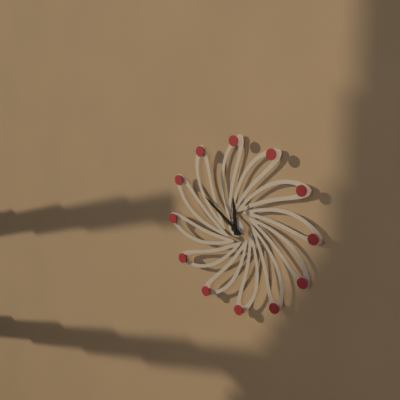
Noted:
11,51
